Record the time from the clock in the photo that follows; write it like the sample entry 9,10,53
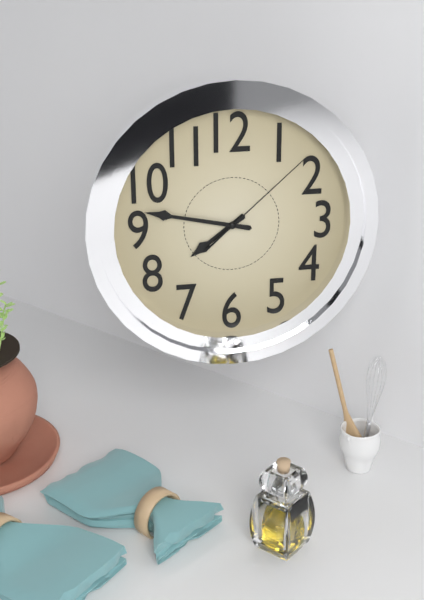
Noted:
7,47,08
